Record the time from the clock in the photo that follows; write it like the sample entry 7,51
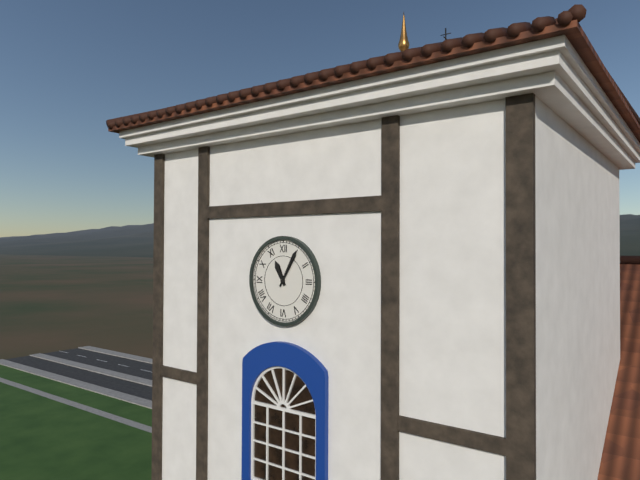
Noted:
11,05
